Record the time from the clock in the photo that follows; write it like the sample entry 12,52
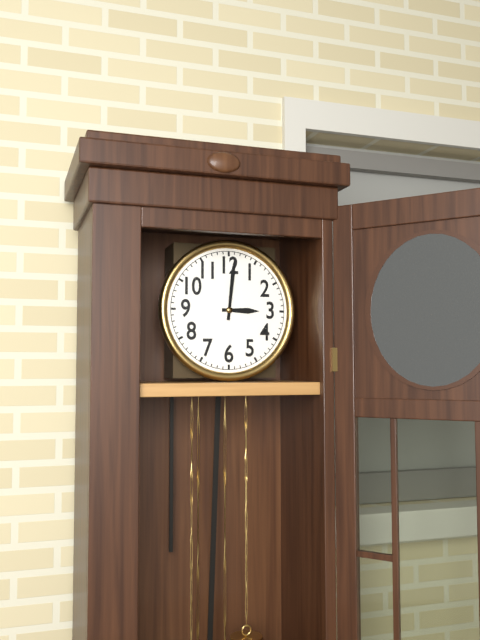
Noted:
3,01
